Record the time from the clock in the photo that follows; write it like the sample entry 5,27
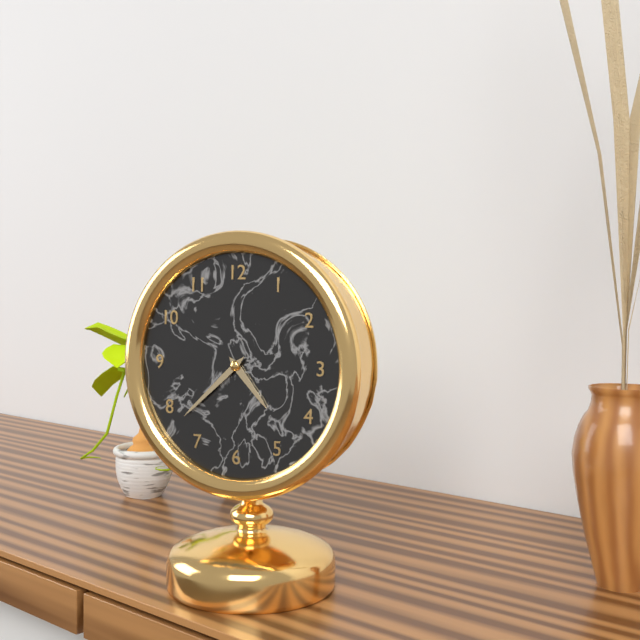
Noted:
4,38
